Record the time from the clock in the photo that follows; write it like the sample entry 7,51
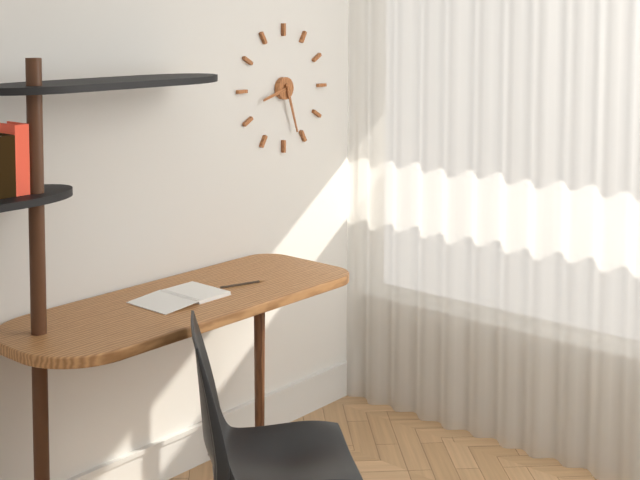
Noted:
8,27
